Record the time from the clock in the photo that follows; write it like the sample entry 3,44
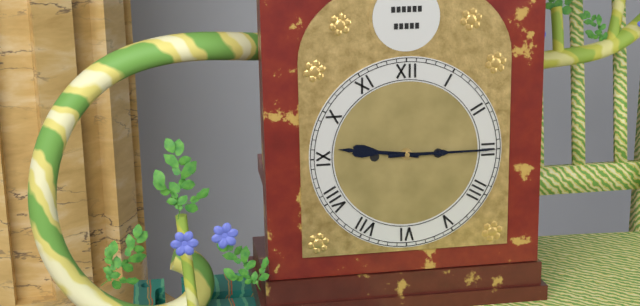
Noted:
9,15
